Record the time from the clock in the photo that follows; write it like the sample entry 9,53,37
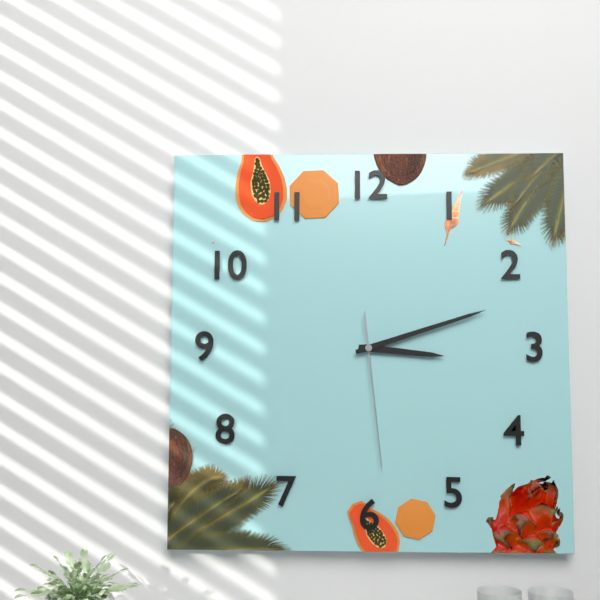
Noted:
3,12,29
